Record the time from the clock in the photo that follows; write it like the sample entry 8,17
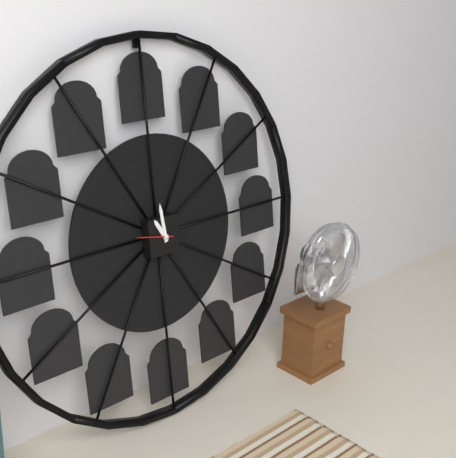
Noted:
10,59
